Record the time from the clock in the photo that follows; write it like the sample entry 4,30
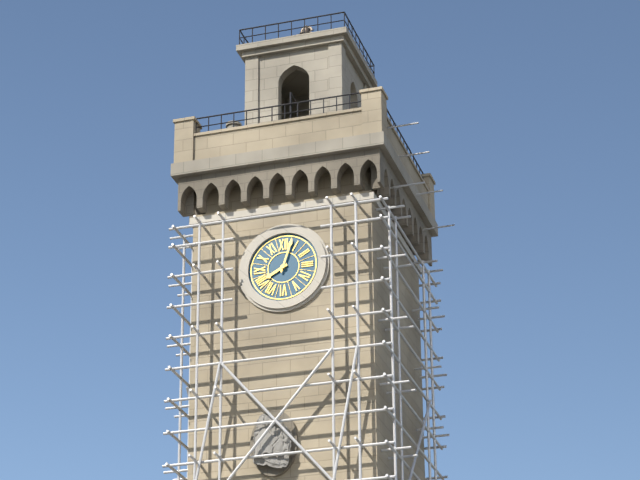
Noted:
8,03
